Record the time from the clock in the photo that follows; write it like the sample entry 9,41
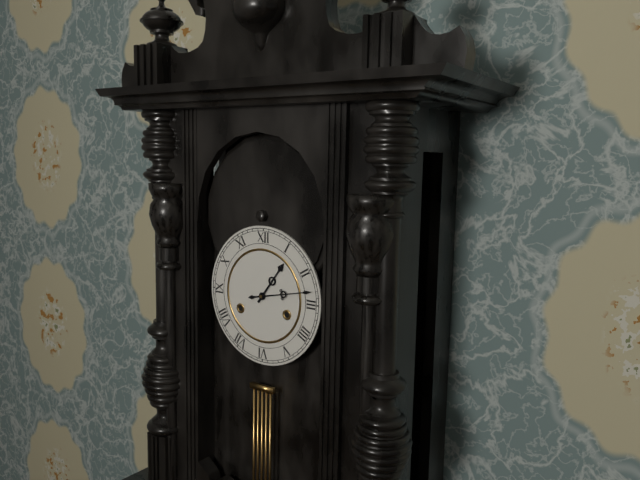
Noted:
1,13
